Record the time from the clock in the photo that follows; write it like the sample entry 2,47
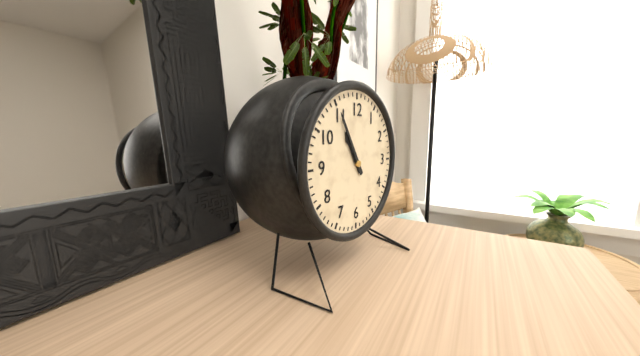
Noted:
10,55
